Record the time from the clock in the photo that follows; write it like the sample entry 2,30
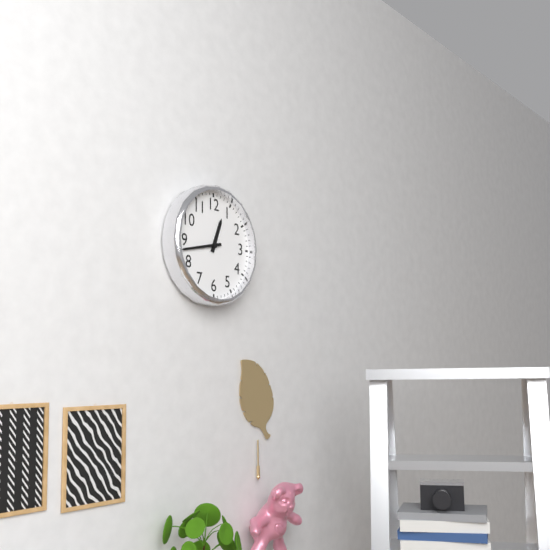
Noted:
12,43
